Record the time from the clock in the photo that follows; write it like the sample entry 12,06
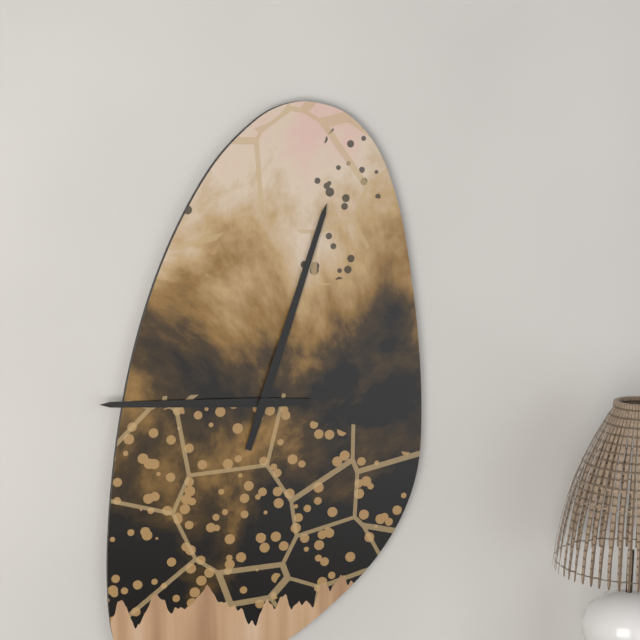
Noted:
9,03
